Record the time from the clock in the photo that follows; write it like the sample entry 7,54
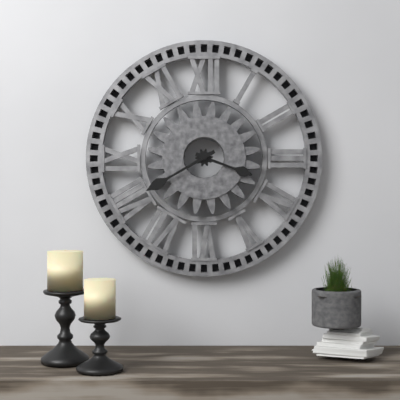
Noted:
3,40
